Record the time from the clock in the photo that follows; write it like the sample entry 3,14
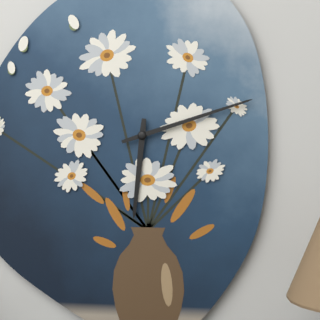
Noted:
6,12
